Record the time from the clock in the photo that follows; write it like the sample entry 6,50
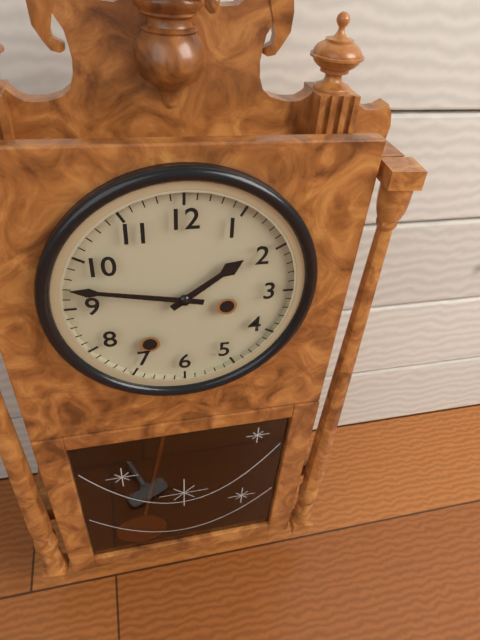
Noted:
1,47
